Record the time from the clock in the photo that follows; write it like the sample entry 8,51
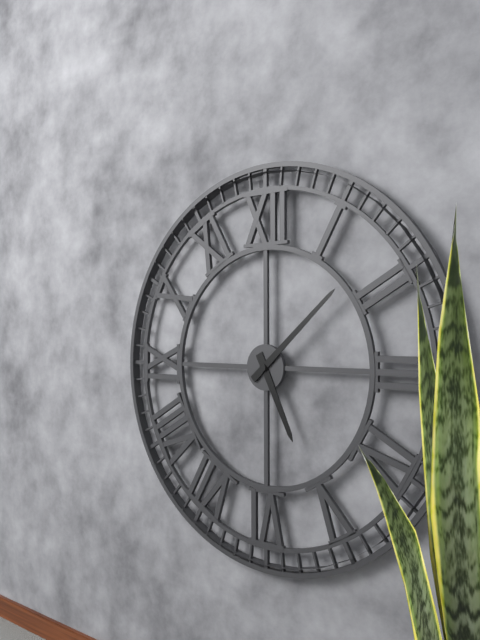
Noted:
5,08
